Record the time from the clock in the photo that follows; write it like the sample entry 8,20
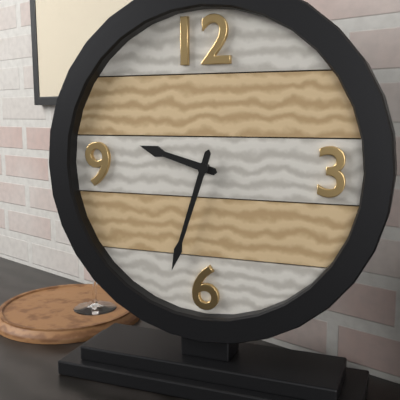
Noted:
9,33
